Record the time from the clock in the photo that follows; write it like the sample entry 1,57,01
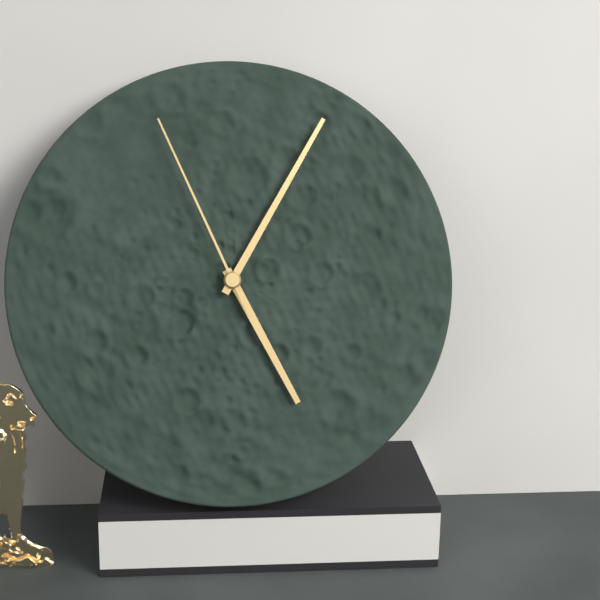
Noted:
5,05,56
